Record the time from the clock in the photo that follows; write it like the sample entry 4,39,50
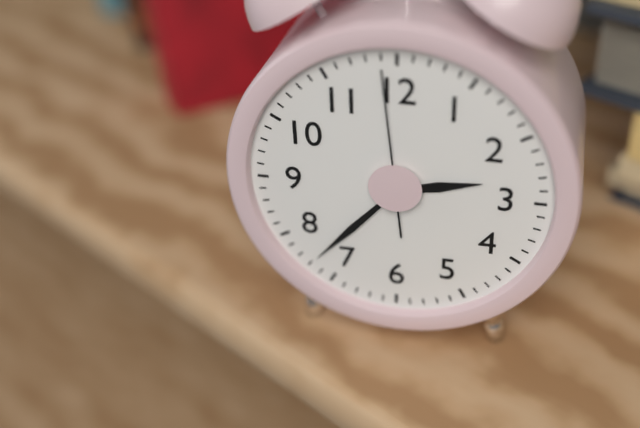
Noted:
2,37,59
